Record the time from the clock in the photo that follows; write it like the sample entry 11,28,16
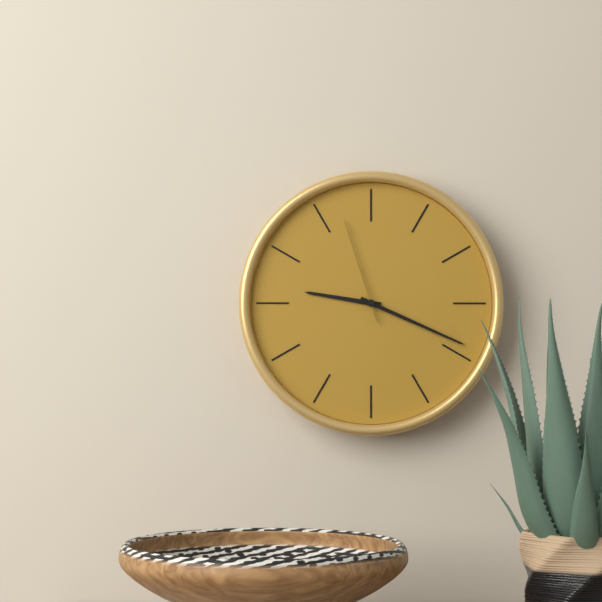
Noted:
9,19,57
